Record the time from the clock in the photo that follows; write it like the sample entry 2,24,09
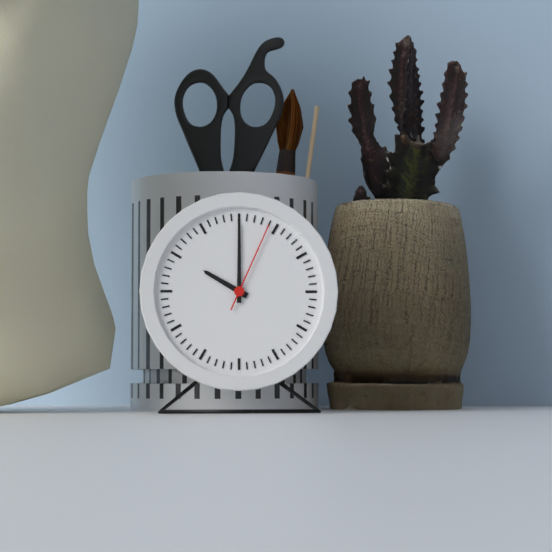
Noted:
10,00,04
